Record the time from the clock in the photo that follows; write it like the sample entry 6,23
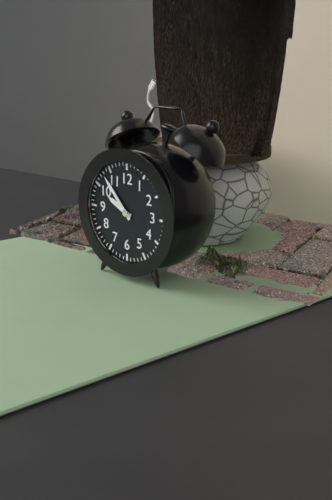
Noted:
9,53
